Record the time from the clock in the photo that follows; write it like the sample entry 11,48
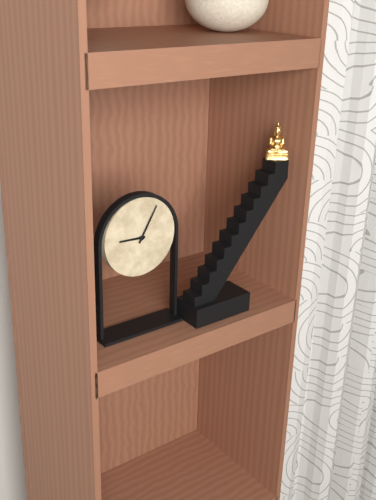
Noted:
9,05
